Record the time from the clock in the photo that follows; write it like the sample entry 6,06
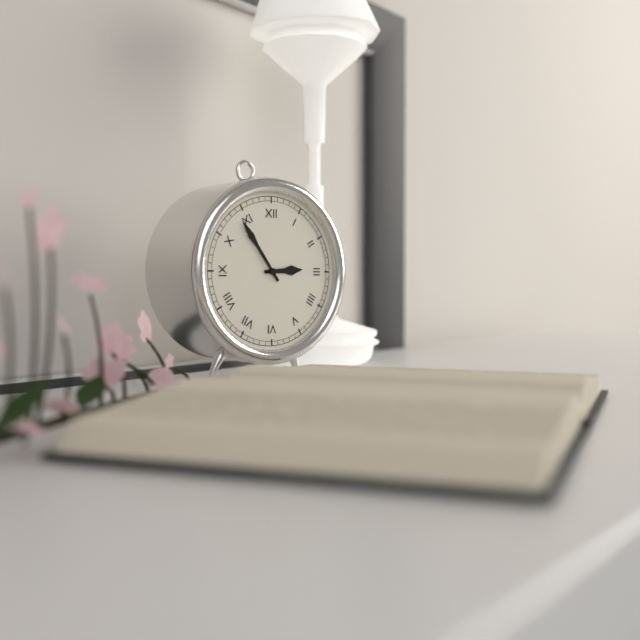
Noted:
2,54
